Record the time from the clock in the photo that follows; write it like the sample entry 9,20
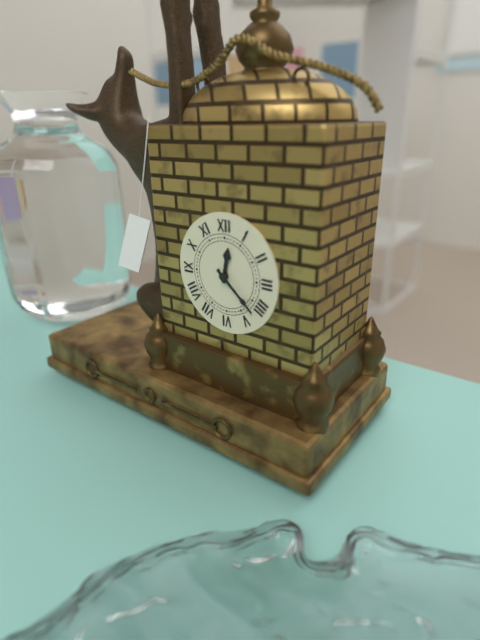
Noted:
12,22
